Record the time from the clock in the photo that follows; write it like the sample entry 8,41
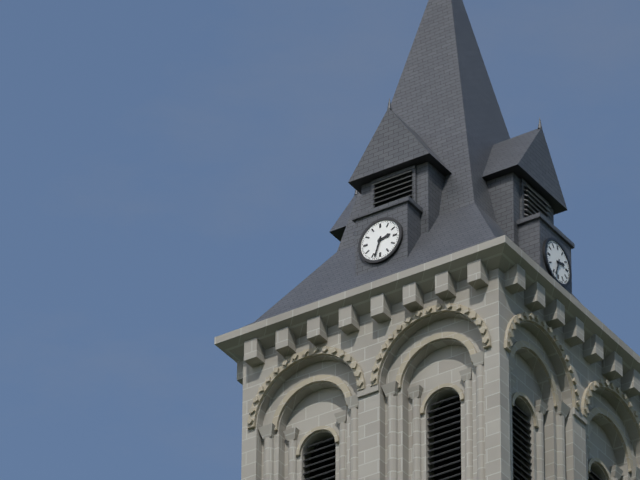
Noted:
2,33
